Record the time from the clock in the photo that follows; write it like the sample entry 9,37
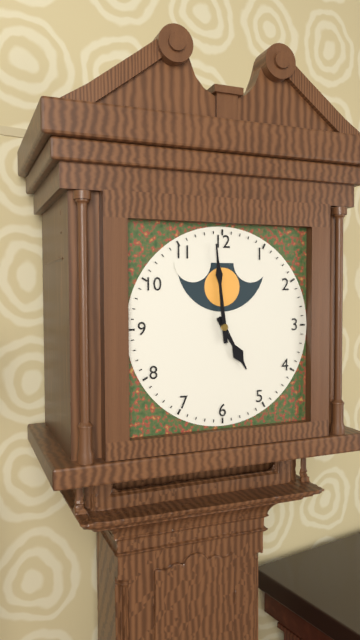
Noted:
4,59
